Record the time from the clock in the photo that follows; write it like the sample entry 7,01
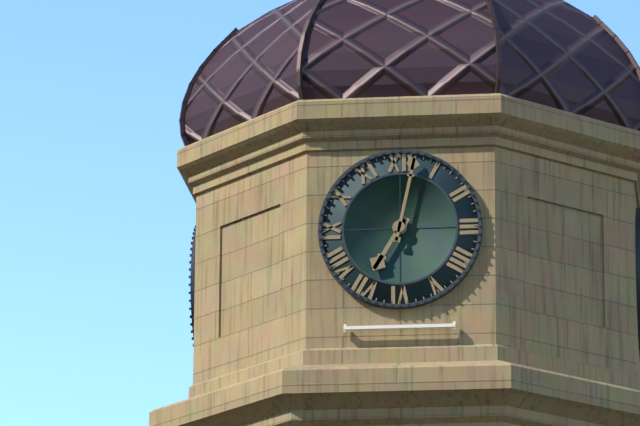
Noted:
7,02
